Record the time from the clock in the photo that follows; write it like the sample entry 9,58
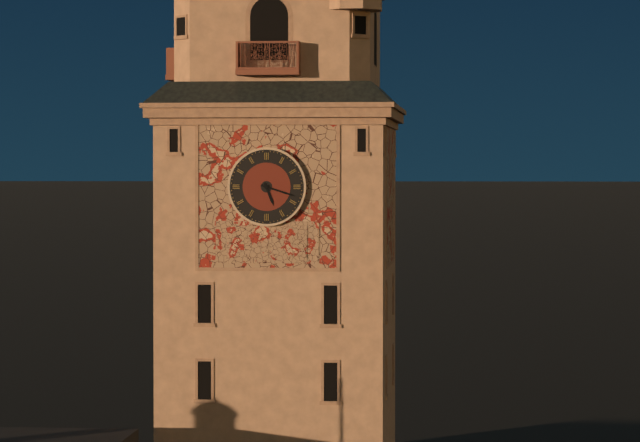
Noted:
5,18
